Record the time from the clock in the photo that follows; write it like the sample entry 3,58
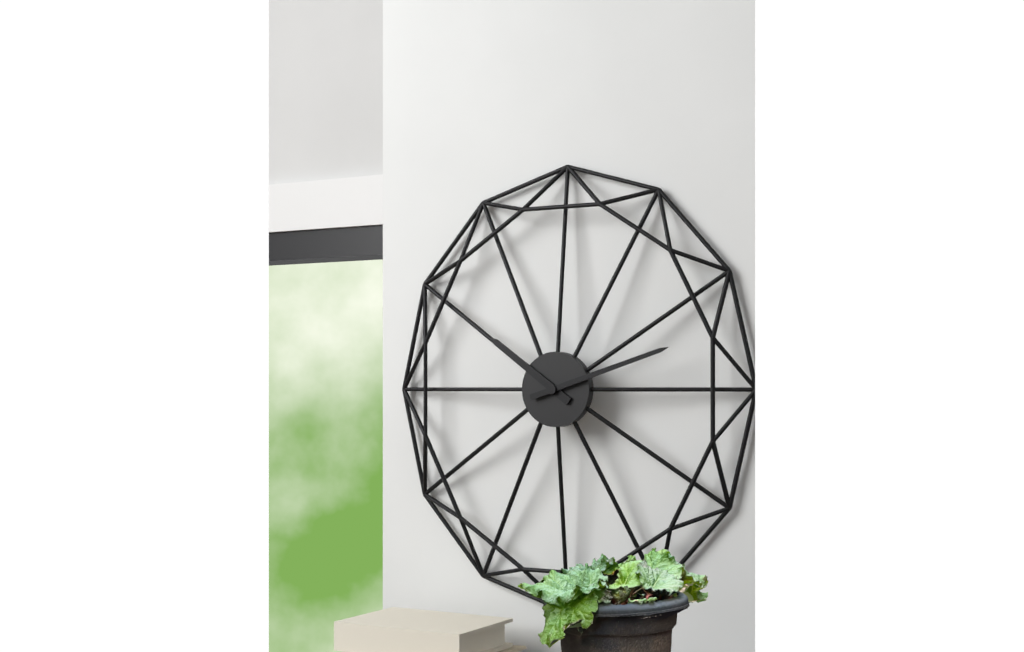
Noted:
10,12
